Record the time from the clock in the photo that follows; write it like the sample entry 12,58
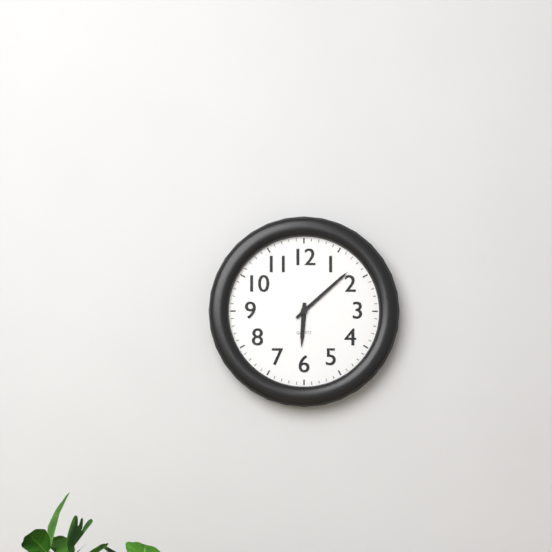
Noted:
6,08
